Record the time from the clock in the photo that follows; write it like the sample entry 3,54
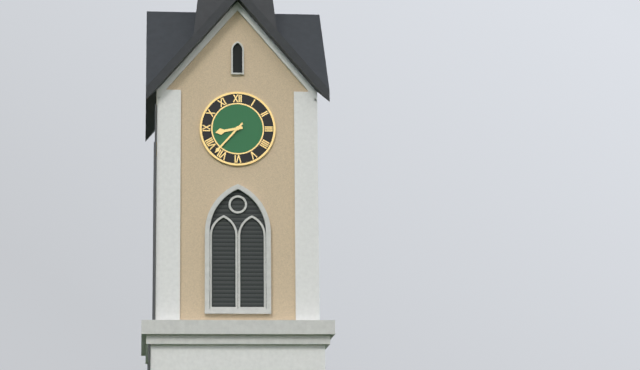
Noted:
8,37
